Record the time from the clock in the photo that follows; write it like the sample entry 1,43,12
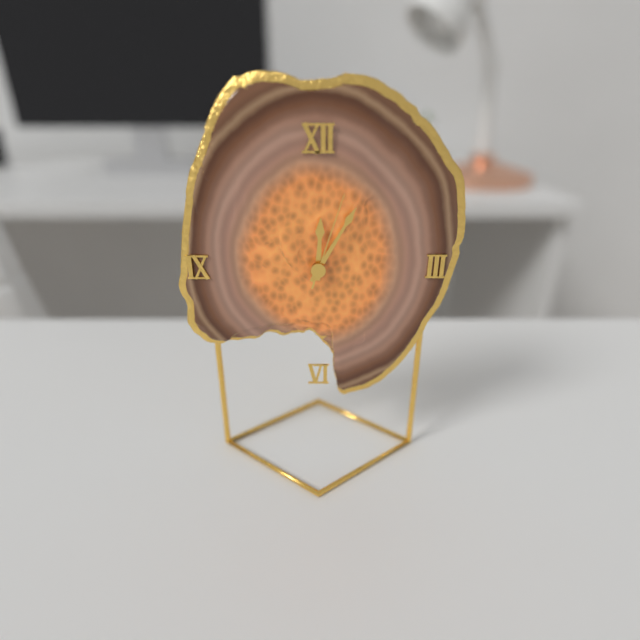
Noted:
12,05,03
